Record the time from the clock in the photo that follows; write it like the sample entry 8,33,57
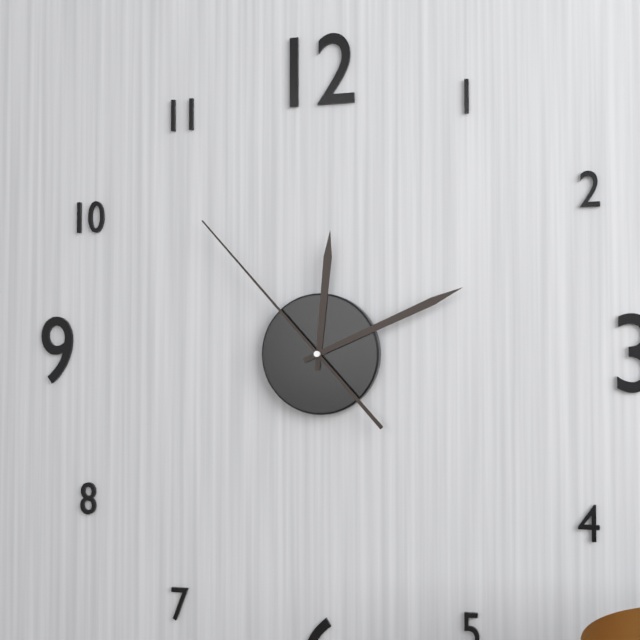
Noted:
12,11,53
